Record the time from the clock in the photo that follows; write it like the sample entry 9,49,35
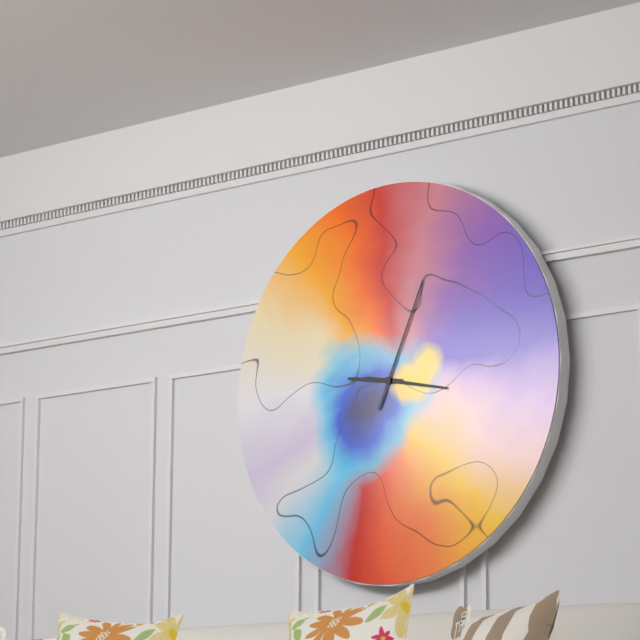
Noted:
9,17,04
